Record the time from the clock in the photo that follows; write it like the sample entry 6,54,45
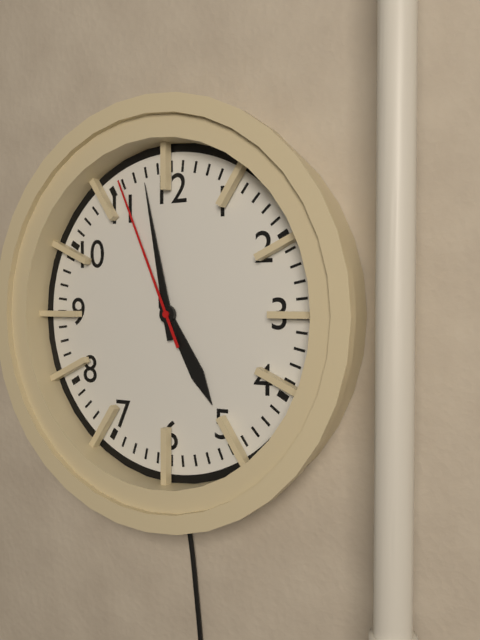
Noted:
4,58,56
